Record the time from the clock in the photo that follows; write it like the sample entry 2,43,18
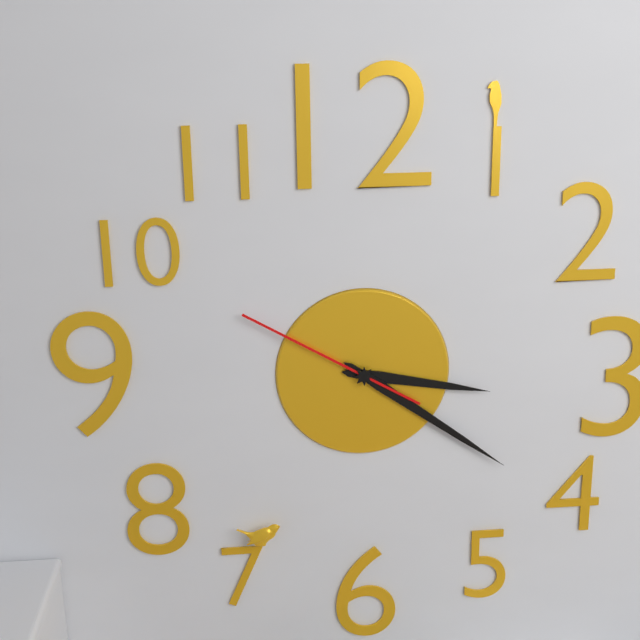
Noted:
3,21,50
